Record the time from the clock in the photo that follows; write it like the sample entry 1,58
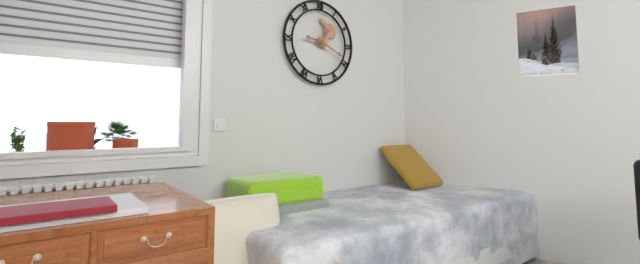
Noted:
9,19
